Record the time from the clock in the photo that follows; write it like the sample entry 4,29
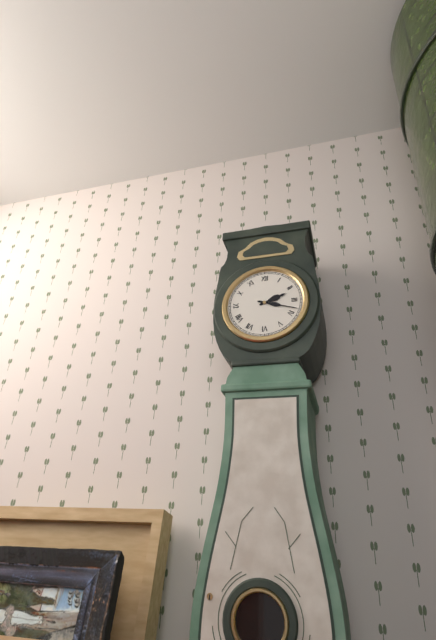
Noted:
2,18
